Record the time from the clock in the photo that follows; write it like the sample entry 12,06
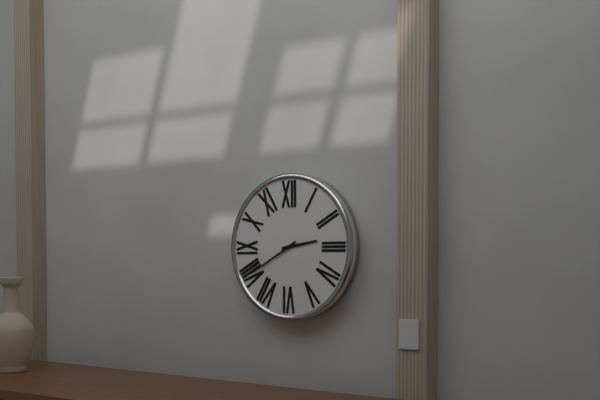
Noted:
2,40
